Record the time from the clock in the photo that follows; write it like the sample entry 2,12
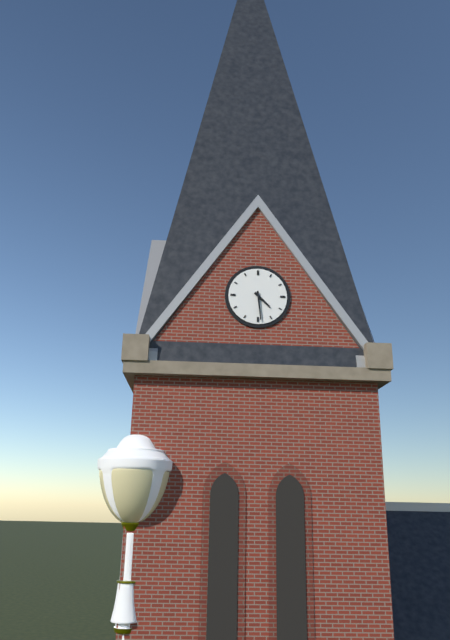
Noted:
4,29
